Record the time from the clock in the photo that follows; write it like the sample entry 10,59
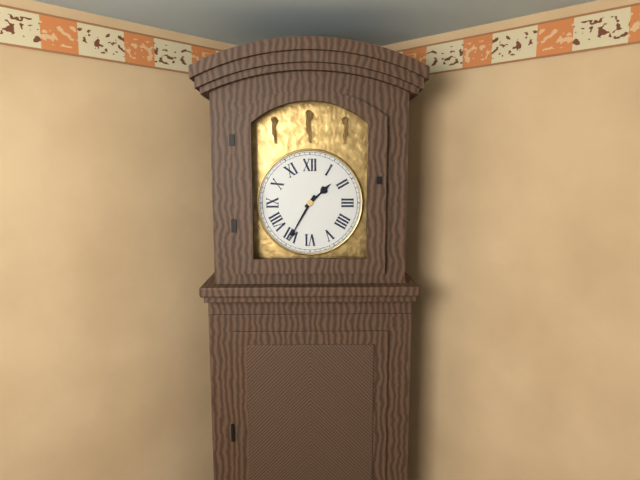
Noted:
1,35
